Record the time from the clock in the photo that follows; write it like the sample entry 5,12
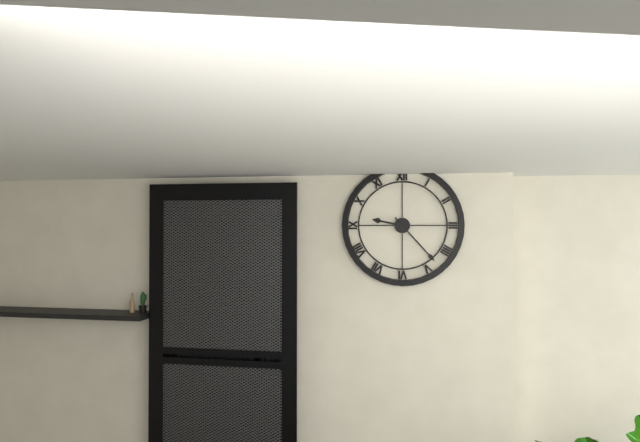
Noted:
9,23
